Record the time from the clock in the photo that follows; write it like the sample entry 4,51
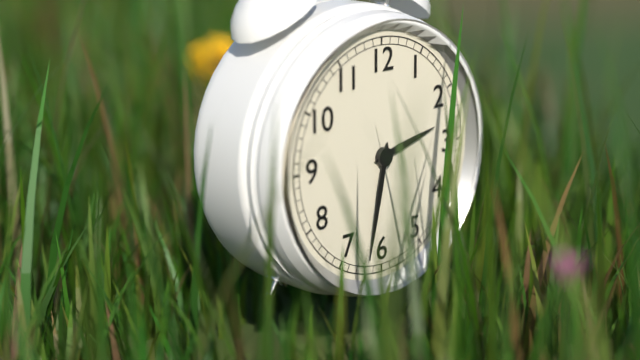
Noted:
2,32
